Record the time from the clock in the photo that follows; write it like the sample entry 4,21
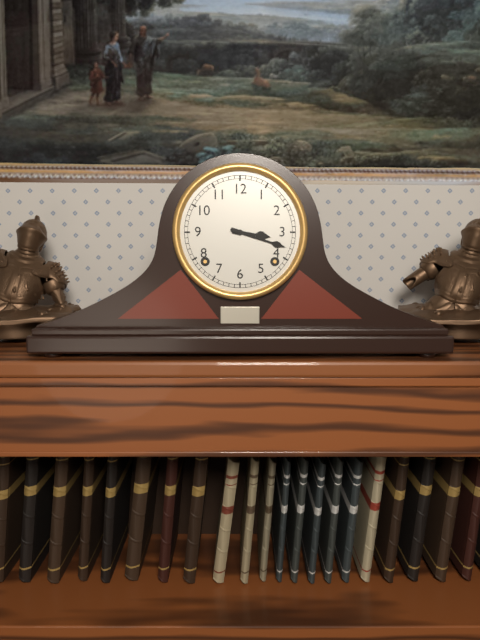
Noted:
3,18
